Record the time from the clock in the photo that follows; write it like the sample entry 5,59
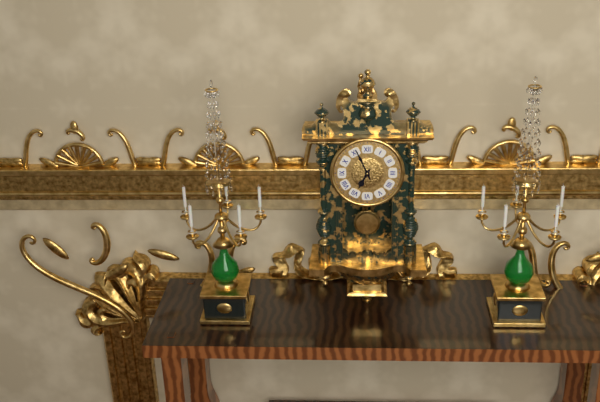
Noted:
6,56
